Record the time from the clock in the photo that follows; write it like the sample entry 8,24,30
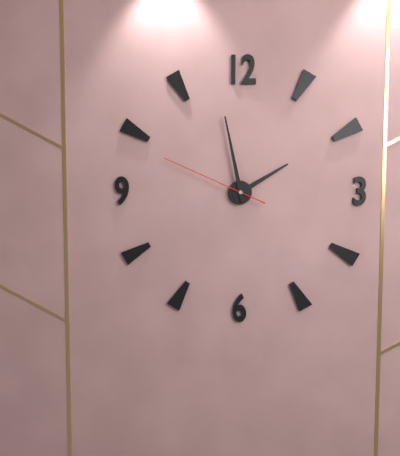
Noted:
1,58,49
